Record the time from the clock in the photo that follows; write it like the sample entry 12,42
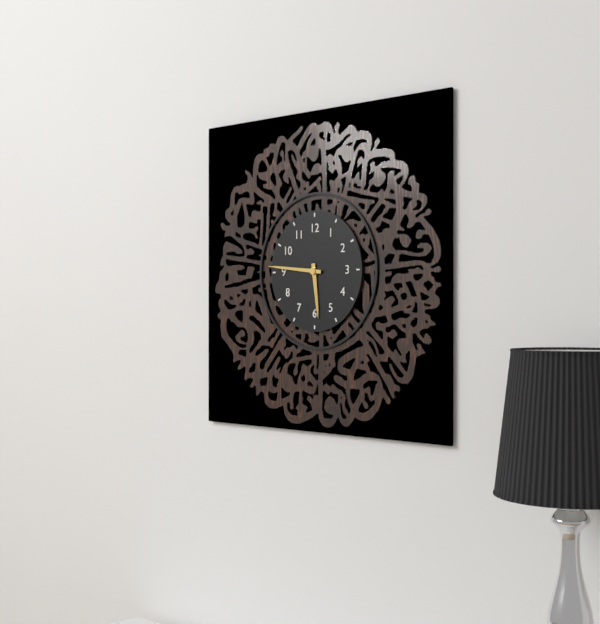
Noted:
5,46
